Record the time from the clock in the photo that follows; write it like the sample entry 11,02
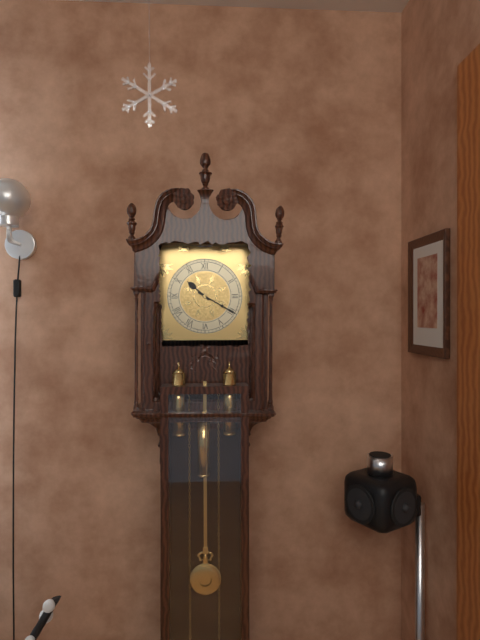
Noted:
10,20
